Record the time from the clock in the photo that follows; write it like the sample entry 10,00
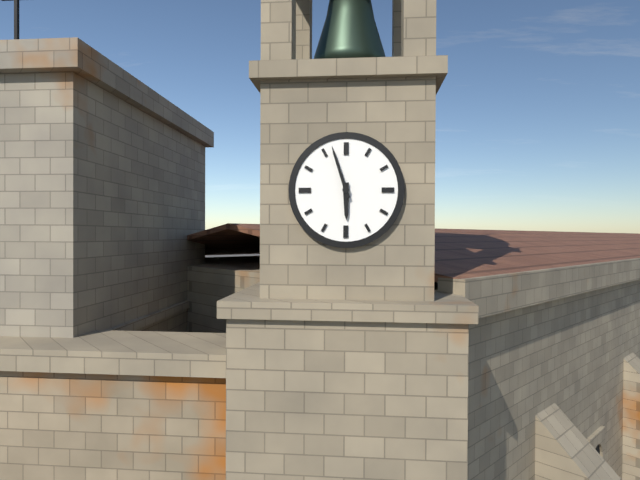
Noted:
5,57
